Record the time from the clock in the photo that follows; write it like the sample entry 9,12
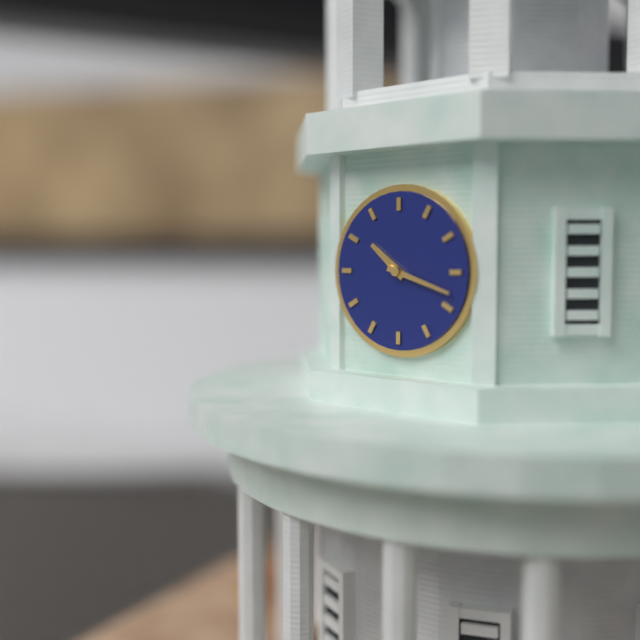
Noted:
10,18
